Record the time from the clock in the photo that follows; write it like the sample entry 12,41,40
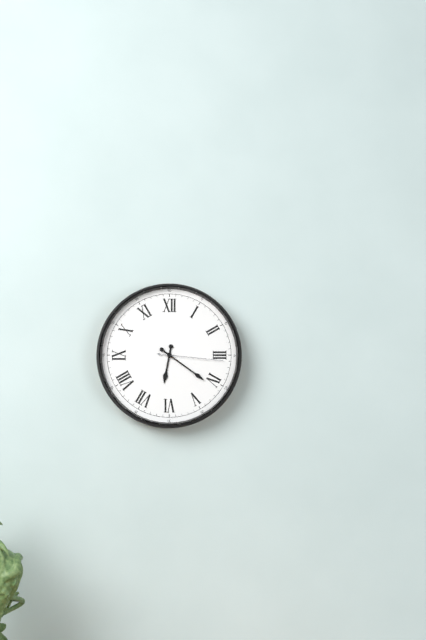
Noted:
6,21,16
